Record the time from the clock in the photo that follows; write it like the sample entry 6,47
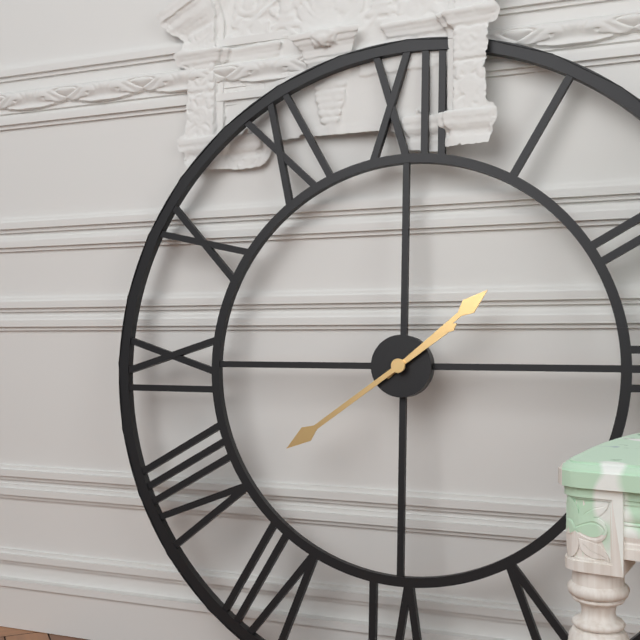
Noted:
1,39
